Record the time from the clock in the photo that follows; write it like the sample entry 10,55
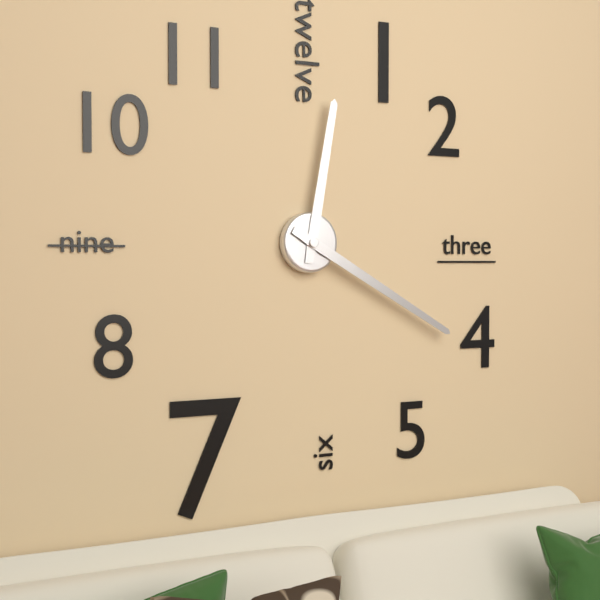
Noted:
12,20
